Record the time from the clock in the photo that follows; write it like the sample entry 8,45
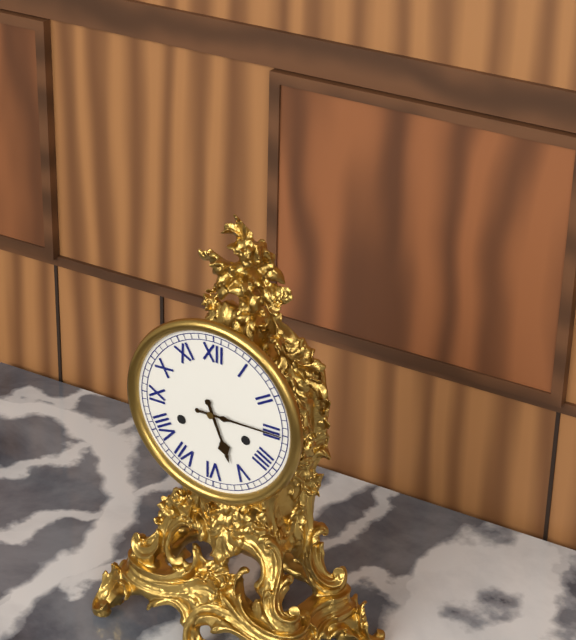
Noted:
5,15
